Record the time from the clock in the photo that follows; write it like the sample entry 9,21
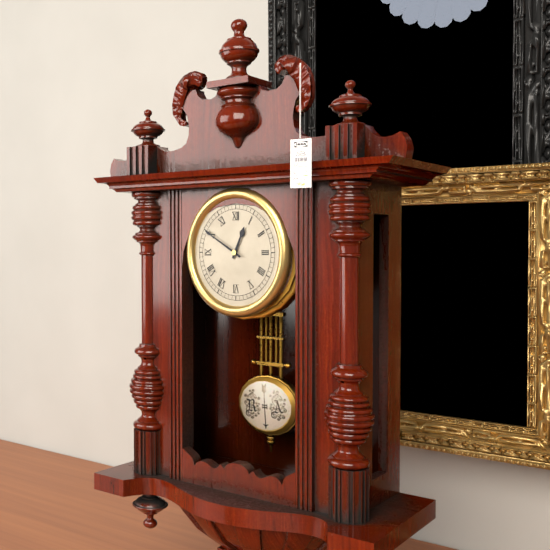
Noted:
12,50
